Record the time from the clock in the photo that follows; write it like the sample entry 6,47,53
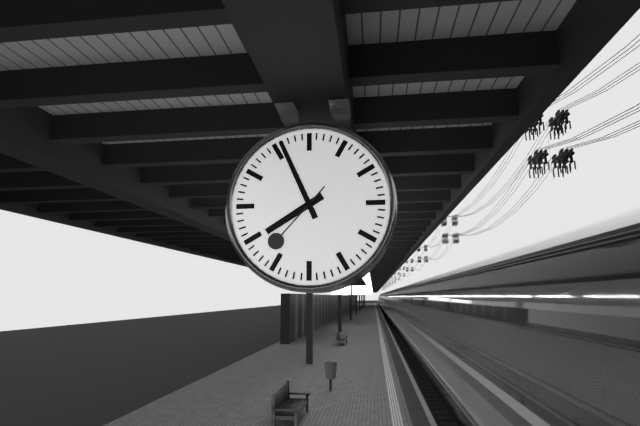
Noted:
7,56,37
